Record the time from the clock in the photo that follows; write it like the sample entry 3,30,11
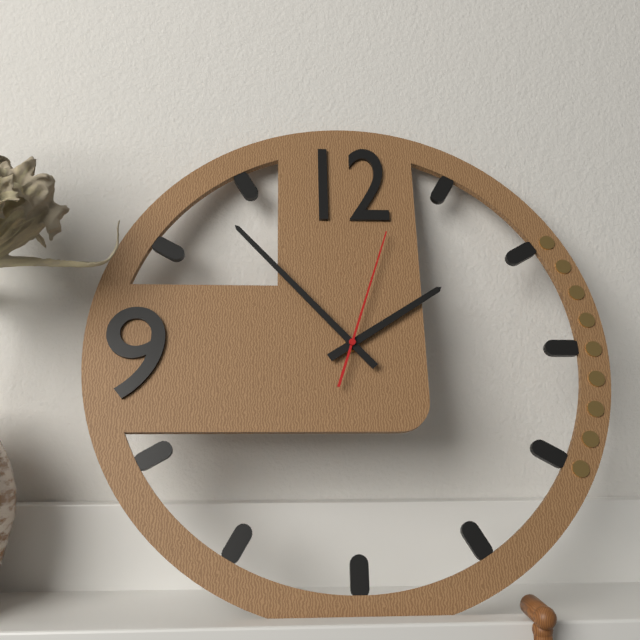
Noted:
1,53,03
